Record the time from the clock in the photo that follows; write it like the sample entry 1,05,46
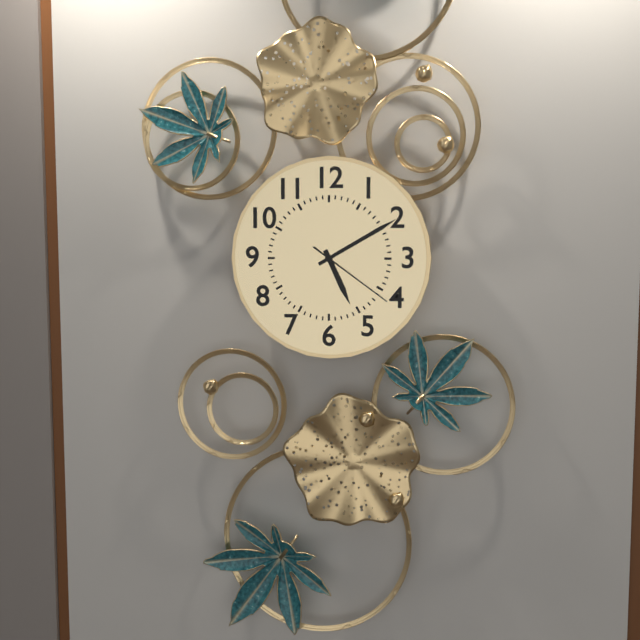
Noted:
5,10,21
